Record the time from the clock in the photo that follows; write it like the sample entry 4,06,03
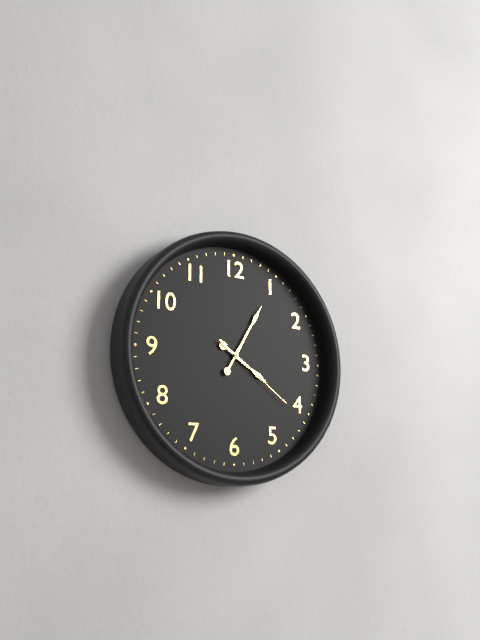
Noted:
4,05,21
